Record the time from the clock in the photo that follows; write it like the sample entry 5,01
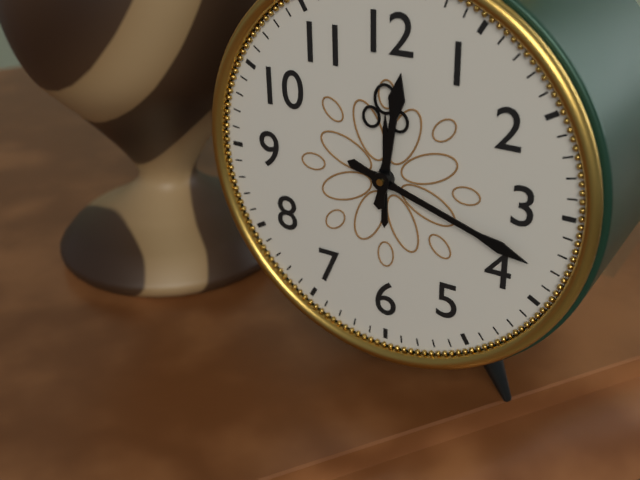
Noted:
12,18
